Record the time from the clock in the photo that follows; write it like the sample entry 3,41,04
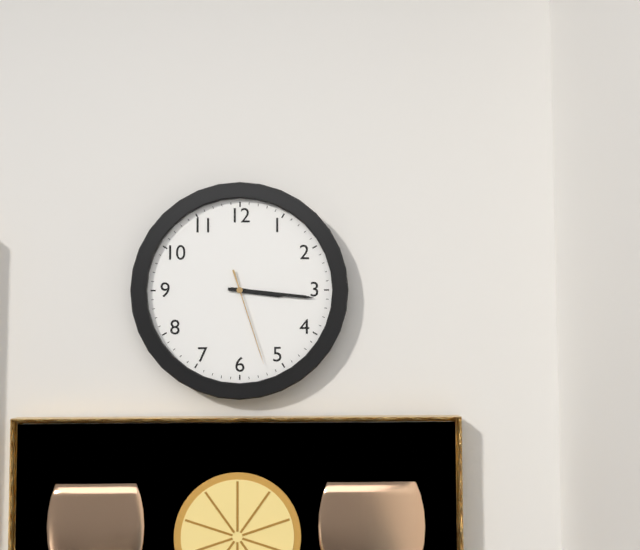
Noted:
3,16,27
